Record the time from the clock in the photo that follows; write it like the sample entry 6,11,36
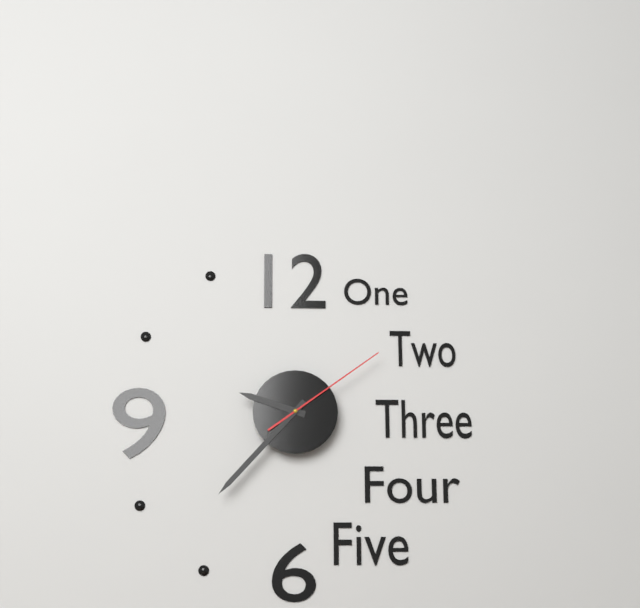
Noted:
9,37,09
